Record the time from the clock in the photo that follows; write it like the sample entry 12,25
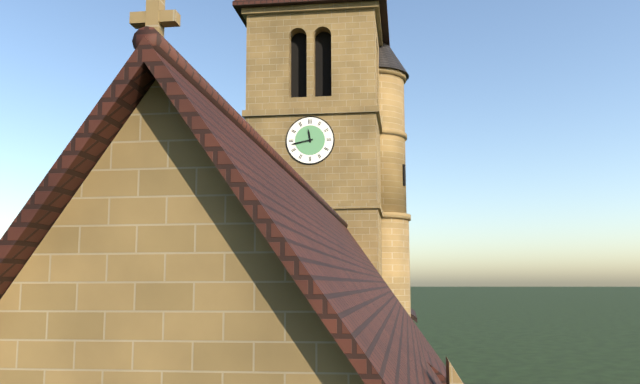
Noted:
11,43
